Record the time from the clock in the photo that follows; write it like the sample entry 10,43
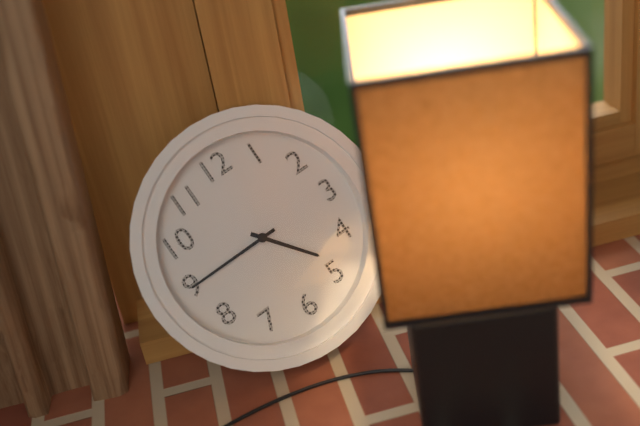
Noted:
4,45
